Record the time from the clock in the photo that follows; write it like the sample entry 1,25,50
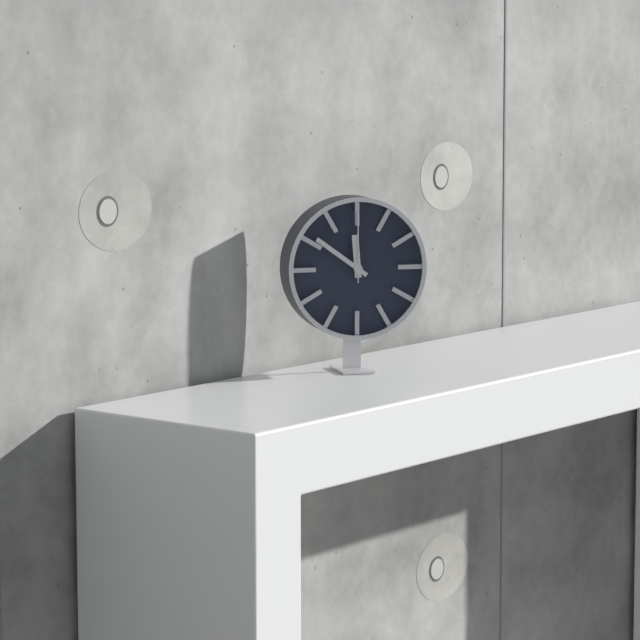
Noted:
11,51,00
